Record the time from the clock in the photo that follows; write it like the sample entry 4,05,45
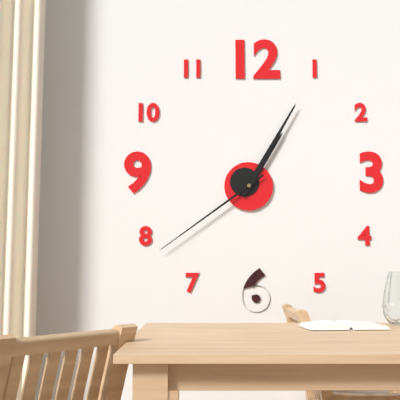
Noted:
1,05,39
